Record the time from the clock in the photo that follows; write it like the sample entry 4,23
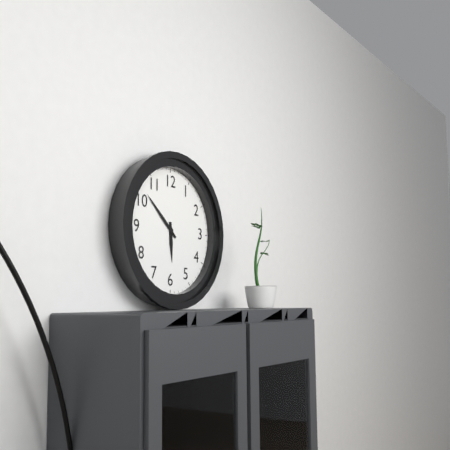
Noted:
5,52
